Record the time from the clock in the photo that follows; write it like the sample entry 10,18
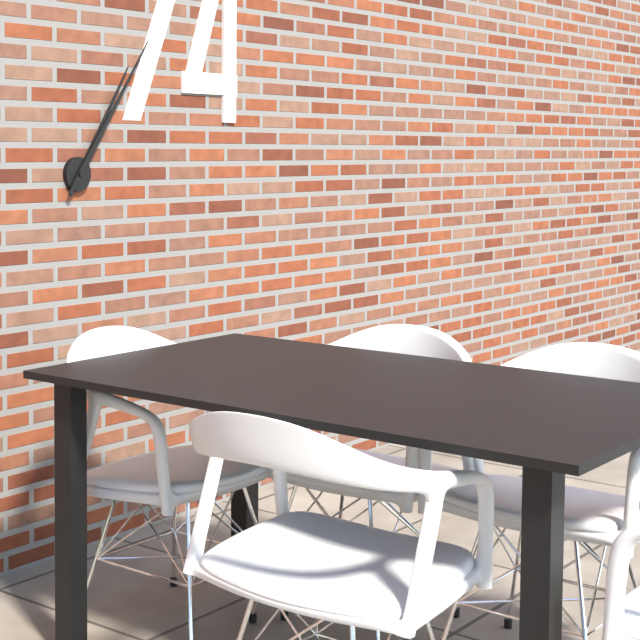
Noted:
1,06
